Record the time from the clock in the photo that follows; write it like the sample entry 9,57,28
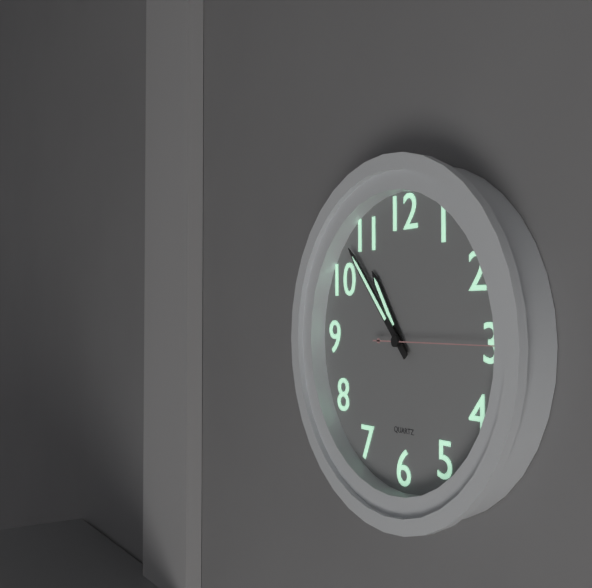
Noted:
10,53,15
